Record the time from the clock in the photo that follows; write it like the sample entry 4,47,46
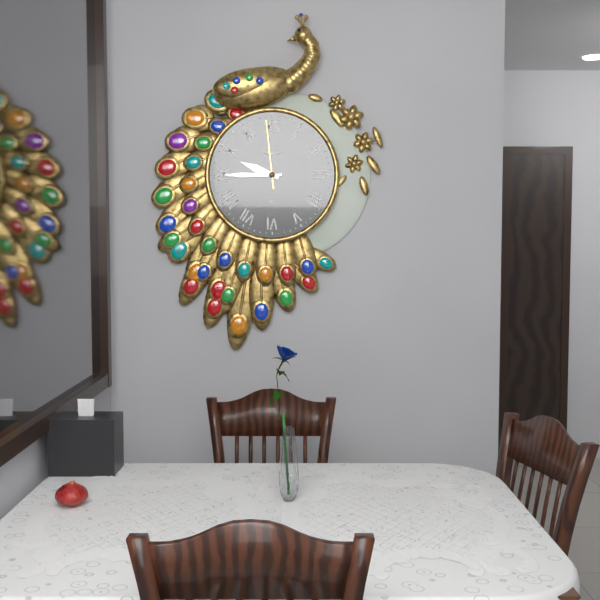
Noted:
9,45,59
